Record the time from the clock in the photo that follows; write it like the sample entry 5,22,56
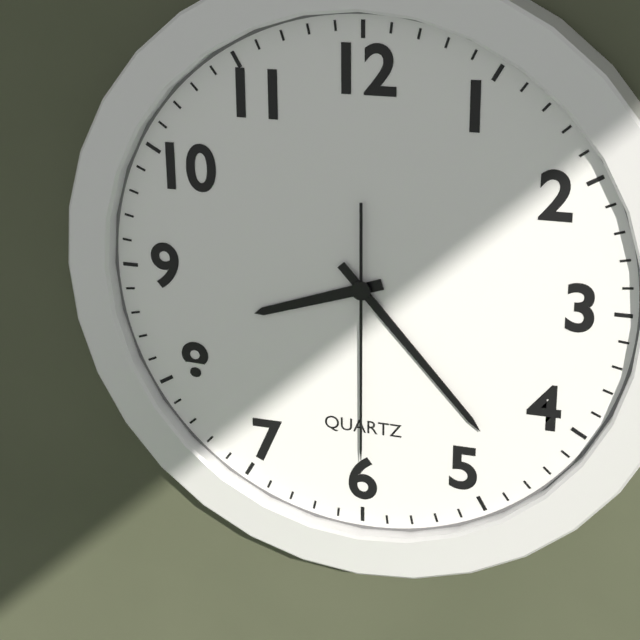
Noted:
8,23,30
